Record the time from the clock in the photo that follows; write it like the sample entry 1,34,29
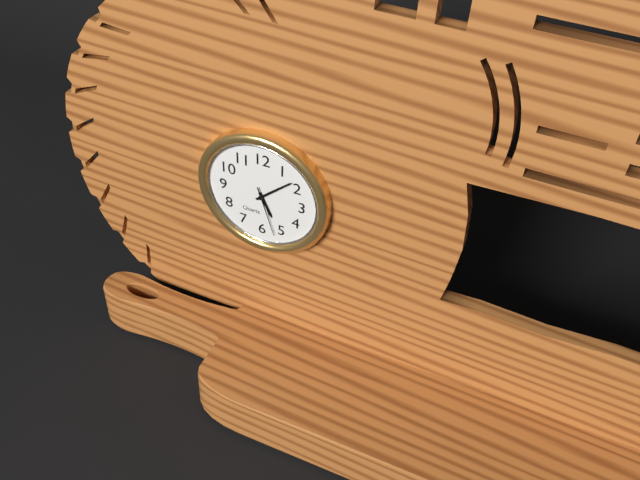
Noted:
5,08,27
